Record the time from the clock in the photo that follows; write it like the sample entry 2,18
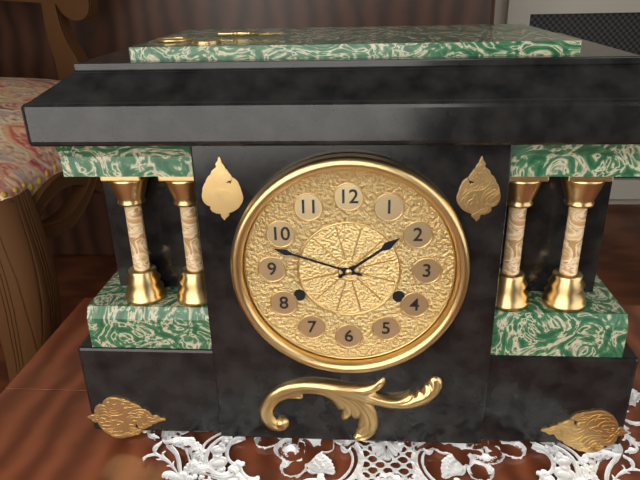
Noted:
1,48
